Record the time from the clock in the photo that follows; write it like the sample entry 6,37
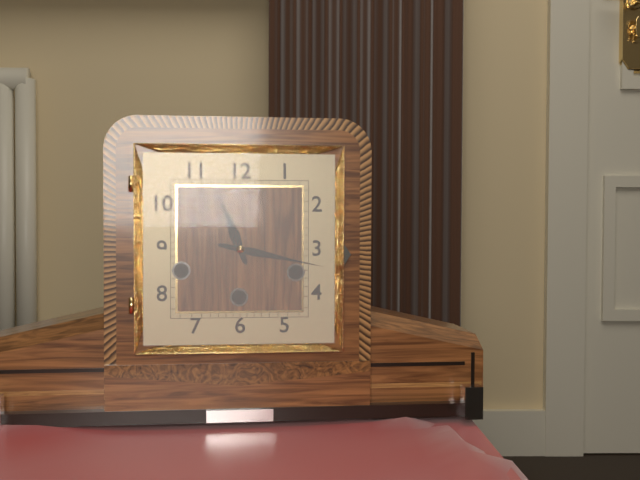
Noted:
11,17
